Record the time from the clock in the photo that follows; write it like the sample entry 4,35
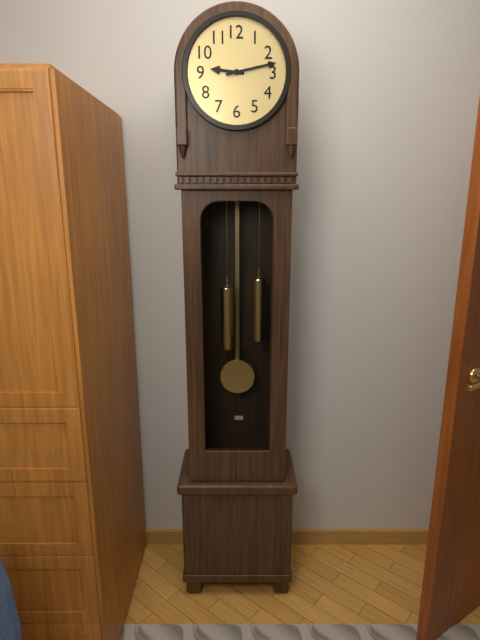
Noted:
9,13
